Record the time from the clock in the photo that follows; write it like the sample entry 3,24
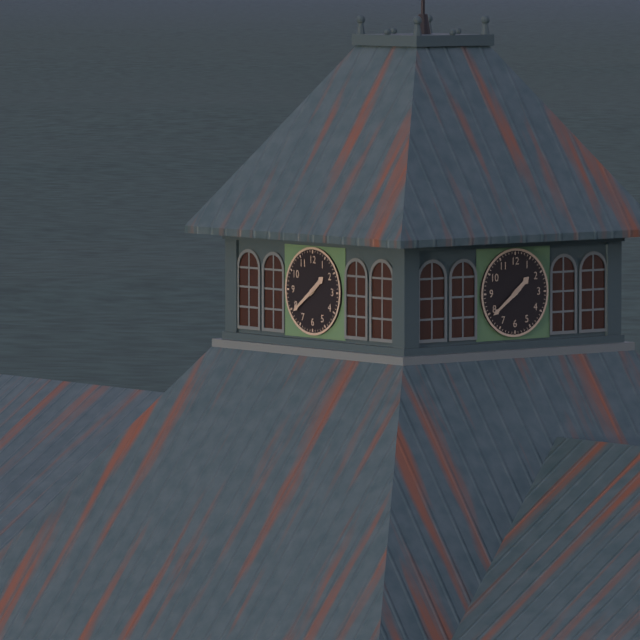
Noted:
1,39
